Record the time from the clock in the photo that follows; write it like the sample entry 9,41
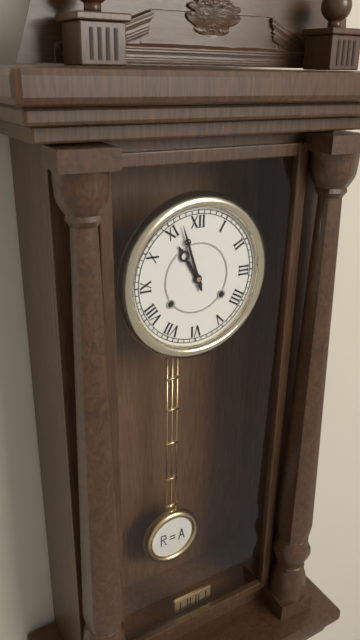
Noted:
10,57
